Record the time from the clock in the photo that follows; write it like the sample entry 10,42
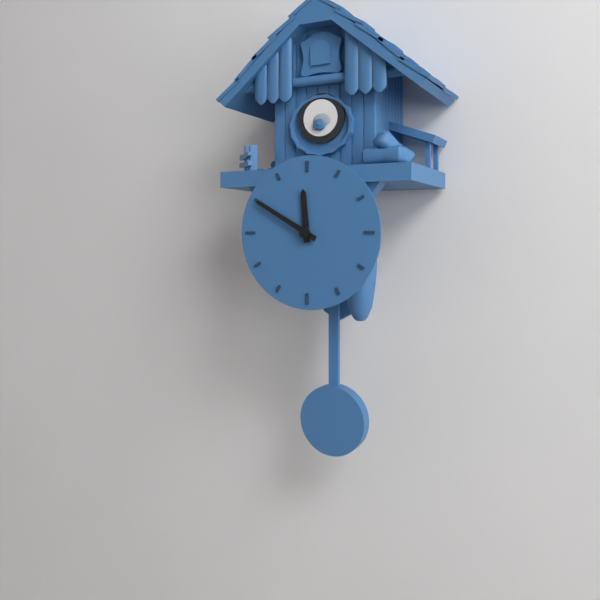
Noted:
11,50
